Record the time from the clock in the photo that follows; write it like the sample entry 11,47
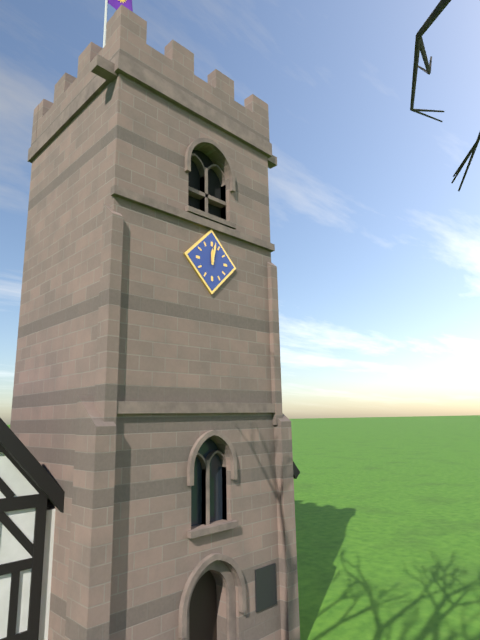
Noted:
12,02
